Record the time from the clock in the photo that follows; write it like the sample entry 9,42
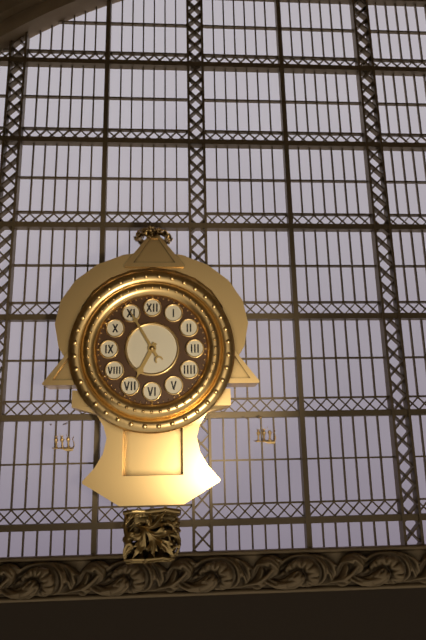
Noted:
6,55
